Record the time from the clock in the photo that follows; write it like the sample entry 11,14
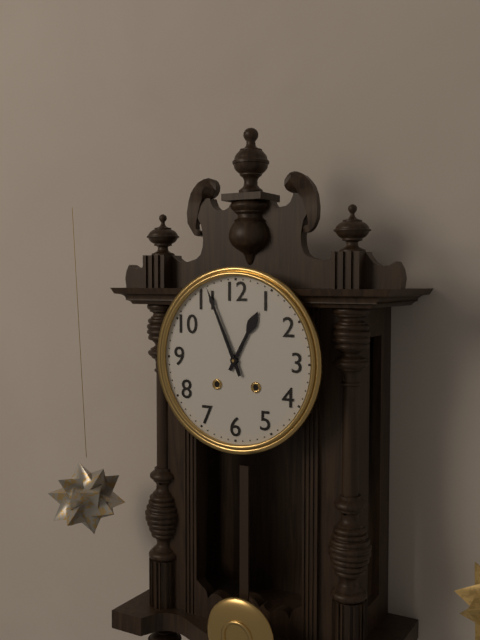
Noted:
12,56
